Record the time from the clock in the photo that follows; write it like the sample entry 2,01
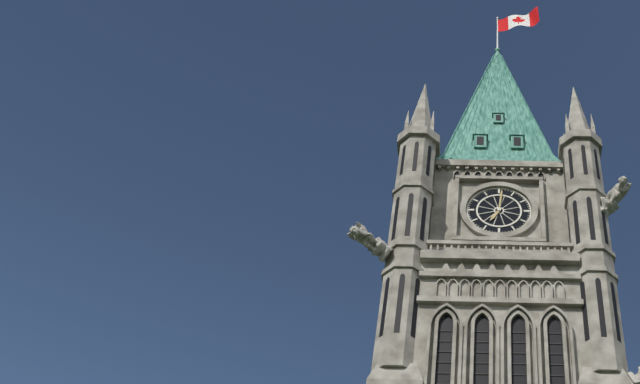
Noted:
7,01
